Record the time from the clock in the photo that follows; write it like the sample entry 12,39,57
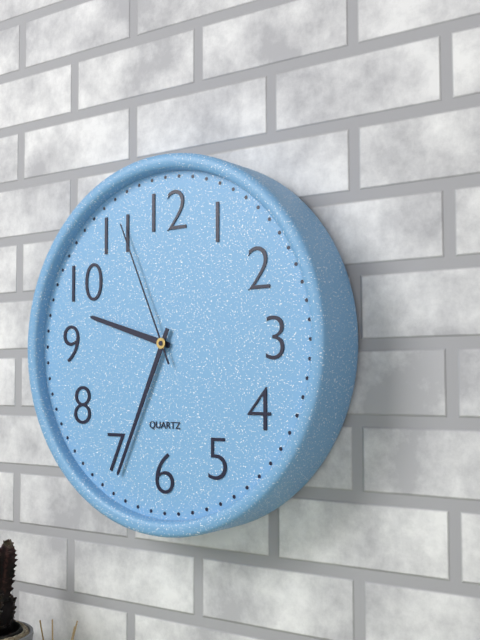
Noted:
9,34,56
